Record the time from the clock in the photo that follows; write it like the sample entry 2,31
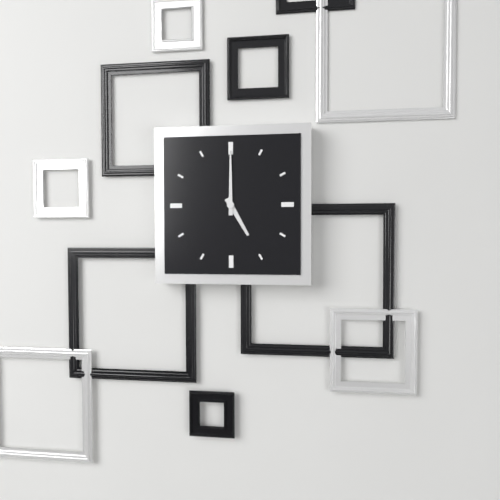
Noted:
5,00
